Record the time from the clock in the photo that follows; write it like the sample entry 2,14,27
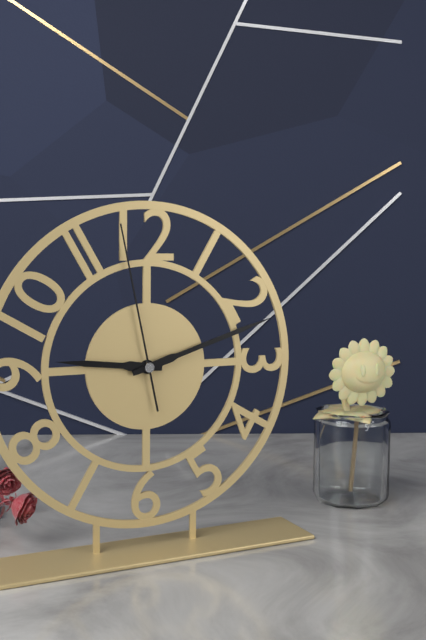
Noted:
9,12,58
